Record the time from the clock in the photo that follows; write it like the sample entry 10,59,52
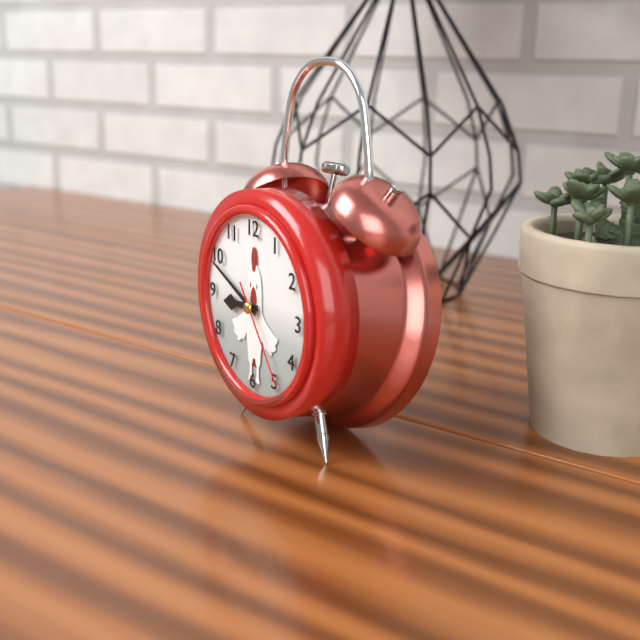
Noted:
8,49,24
